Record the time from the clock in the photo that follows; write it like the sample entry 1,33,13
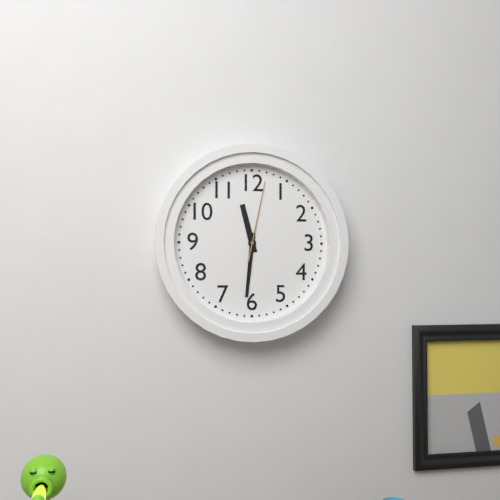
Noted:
11,31,02
